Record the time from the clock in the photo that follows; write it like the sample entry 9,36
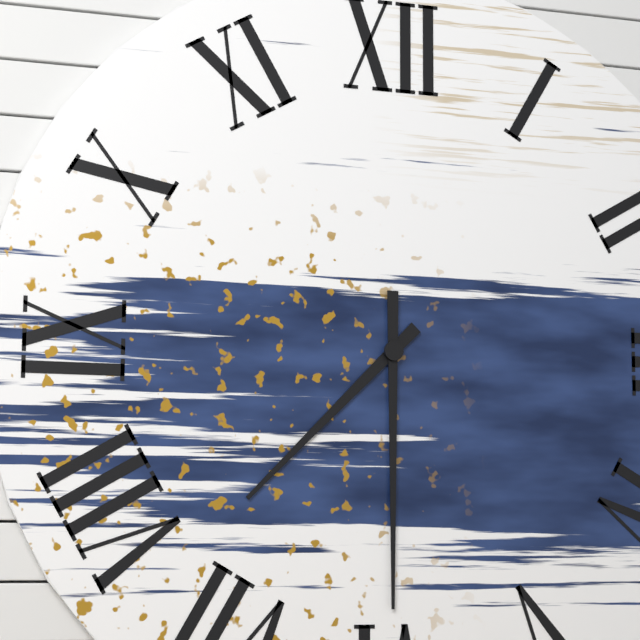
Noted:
7,30
